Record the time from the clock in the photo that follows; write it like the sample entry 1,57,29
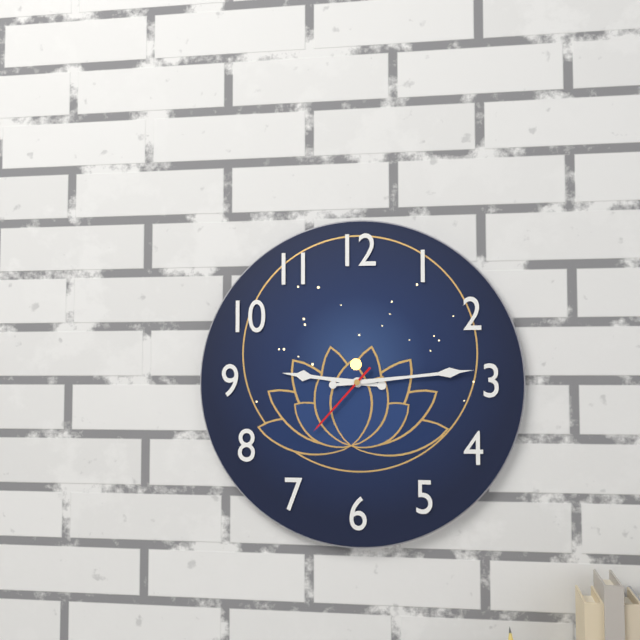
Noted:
9,14,37
